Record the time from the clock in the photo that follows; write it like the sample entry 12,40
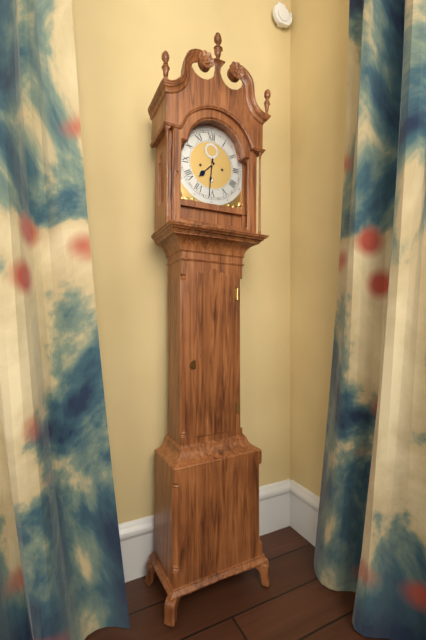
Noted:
7,31
